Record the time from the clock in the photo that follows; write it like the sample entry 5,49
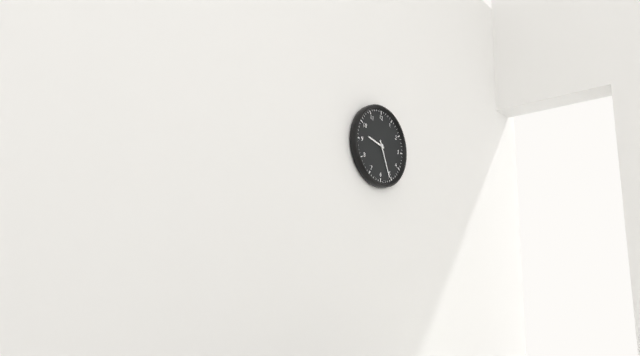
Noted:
9,26
